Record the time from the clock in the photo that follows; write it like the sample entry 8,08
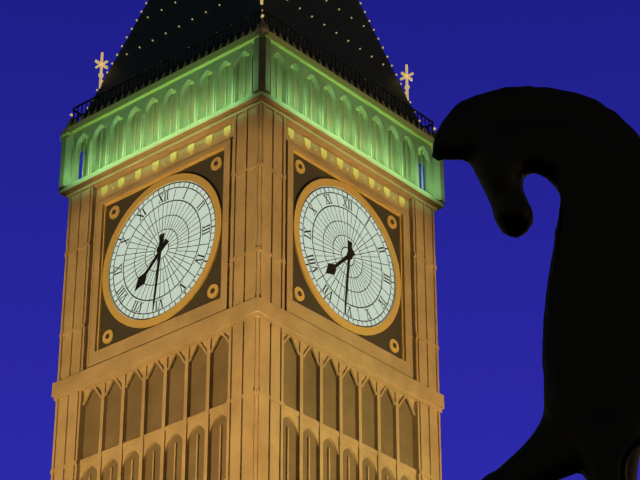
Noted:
7,31
